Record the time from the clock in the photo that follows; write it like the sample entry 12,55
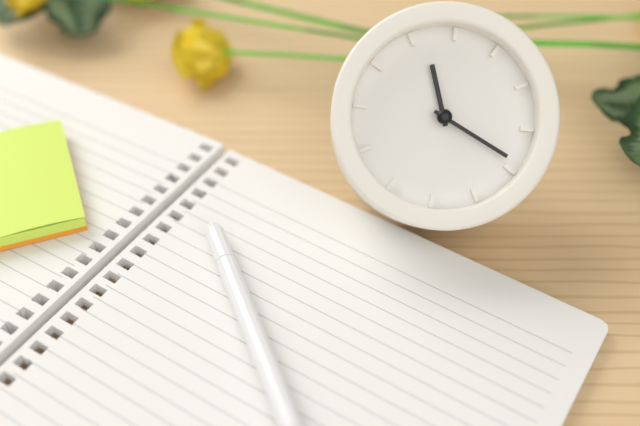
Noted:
11,19
